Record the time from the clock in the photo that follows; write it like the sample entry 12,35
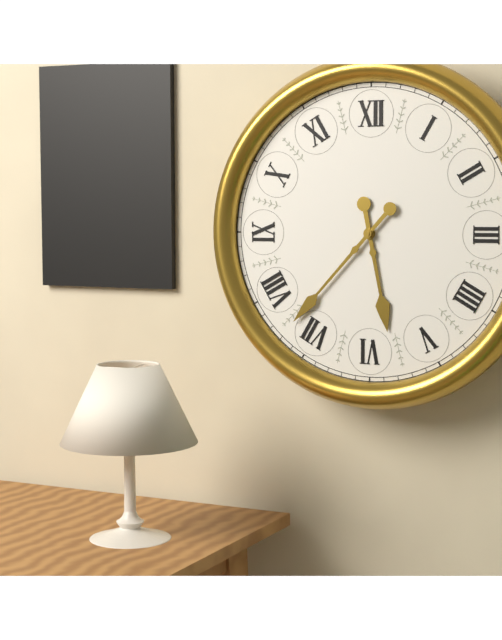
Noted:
5,37
